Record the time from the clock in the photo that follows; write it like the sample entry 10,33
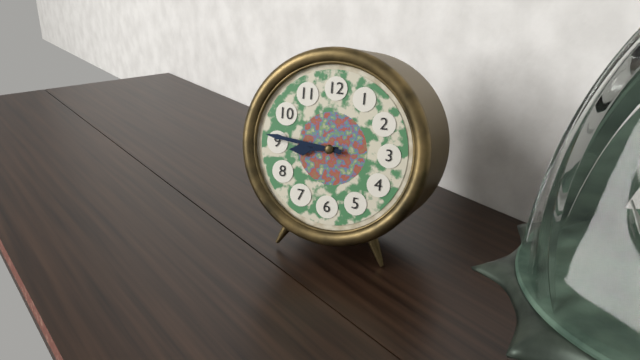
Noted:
8,46
